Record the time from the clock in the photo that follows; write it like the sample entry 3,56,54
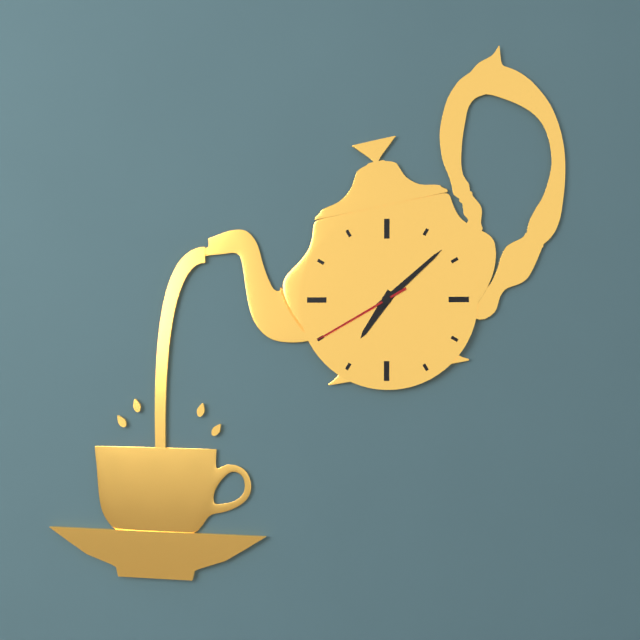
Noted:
7,08,40
